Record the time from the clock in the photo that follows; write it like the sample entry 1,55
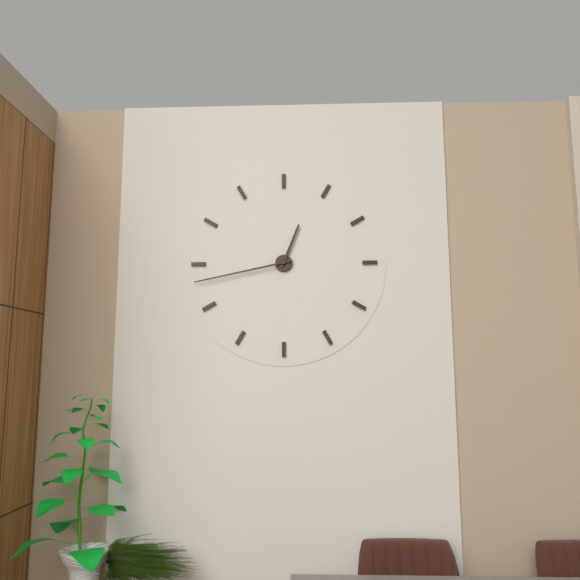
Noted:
12,43
